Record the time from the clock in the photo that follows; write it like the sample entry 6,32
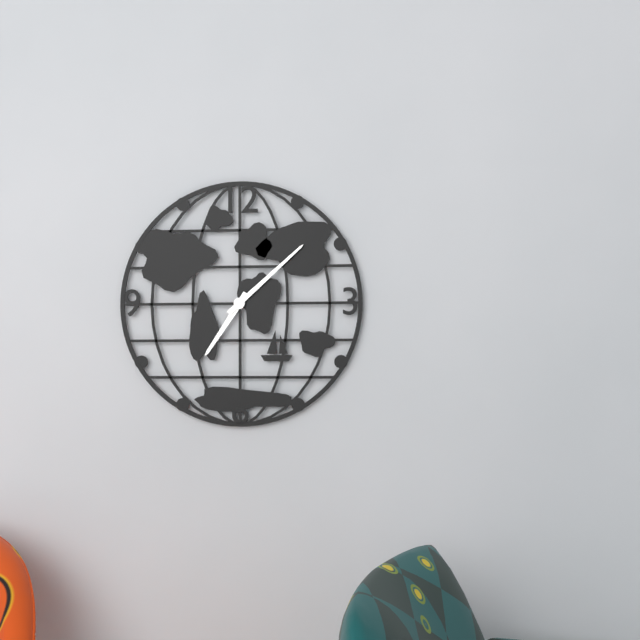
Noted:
7,08
